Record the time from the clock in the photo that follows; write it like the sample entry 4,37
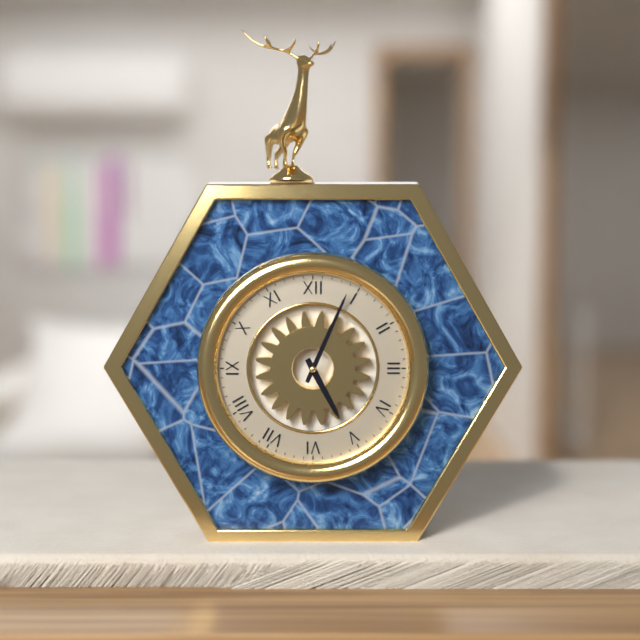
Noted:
5,04
